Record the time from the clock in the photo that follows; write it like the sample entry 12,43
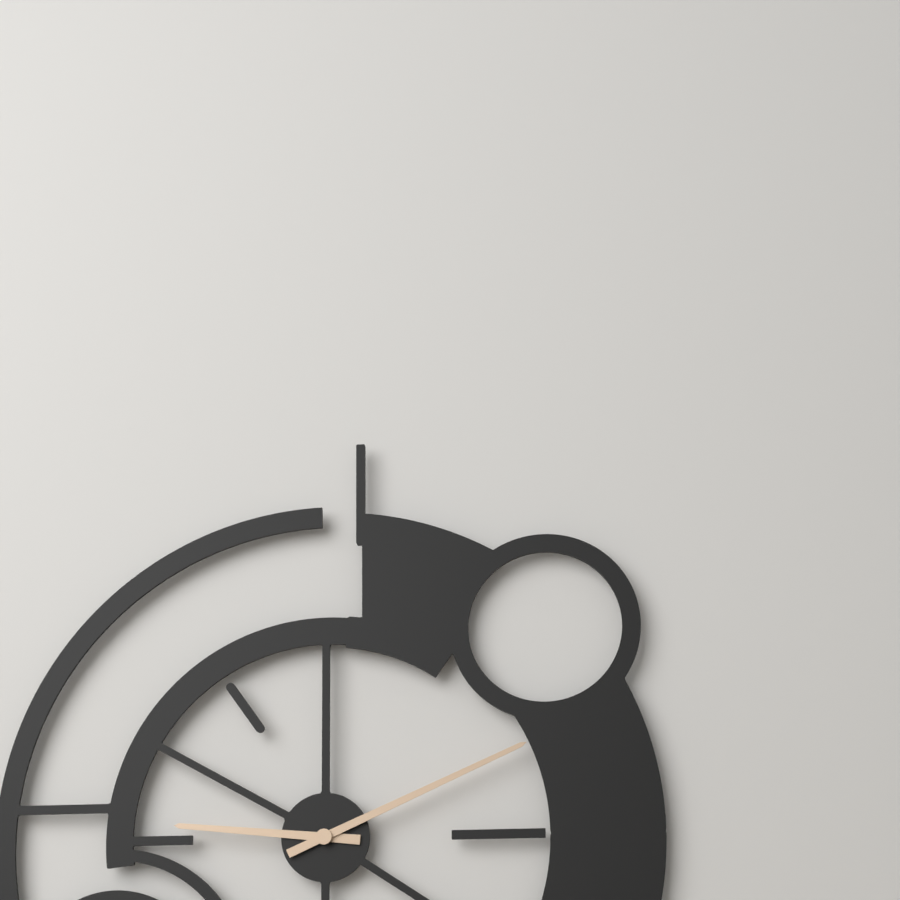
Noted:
9,11
